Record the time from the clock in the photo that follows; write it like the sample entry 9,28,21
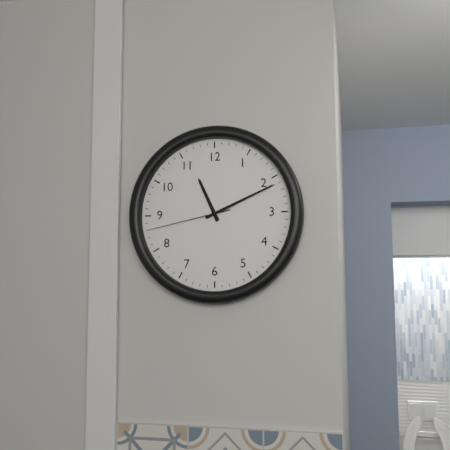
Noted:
11,11,43
